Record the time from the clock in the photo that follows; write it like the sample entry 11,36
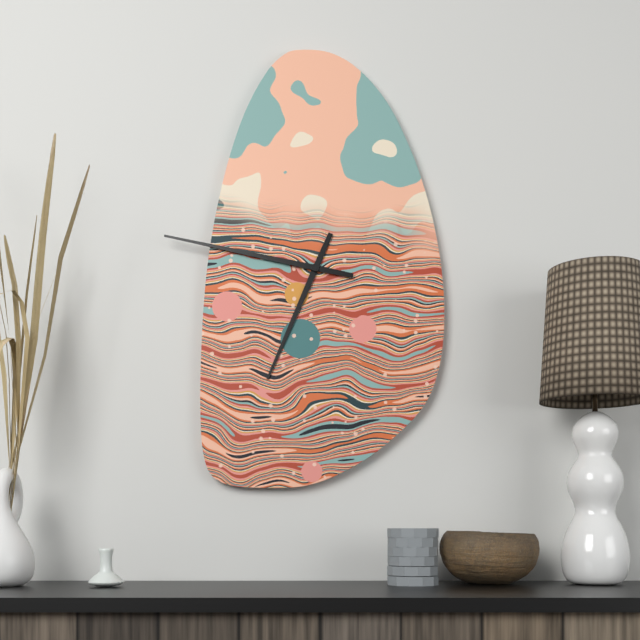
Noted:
6,47
